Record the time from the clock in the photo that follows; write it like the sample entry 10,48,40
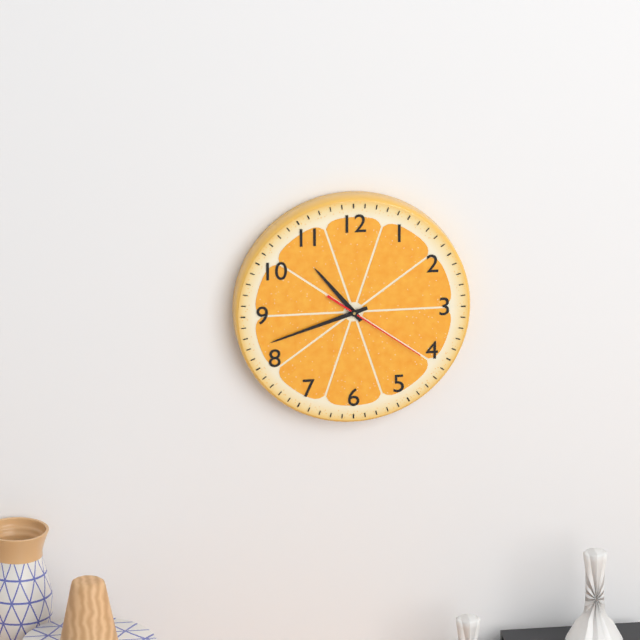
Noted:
10,42,21
